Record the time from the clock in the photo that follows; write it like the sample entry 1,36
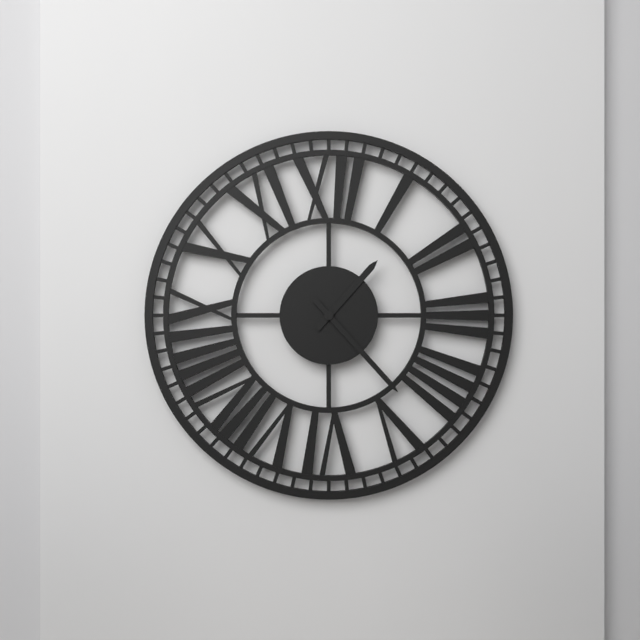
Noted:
1,23
